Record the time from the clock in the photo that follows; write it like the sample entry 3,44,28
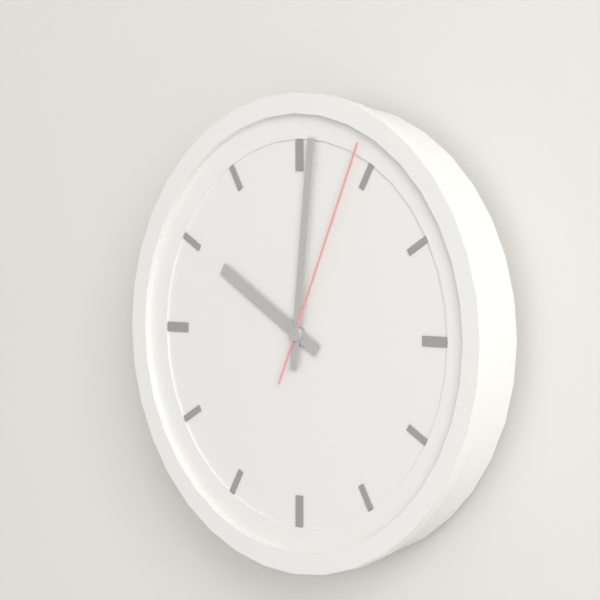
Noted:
10,01,04
